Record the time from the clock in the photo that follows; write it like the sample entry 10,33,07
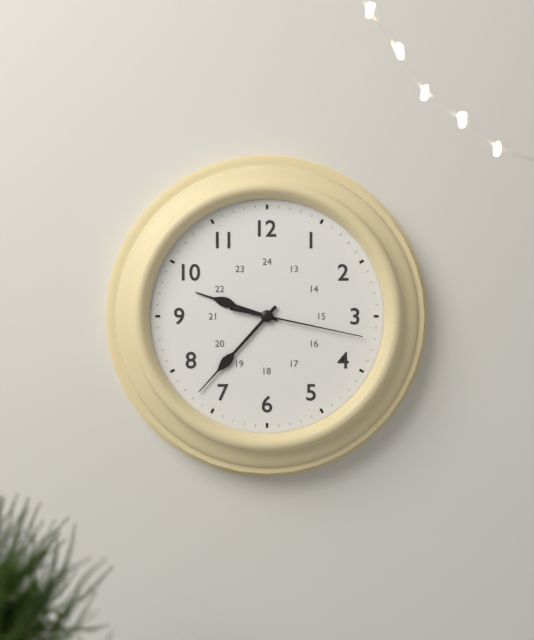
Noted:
9,37,17
